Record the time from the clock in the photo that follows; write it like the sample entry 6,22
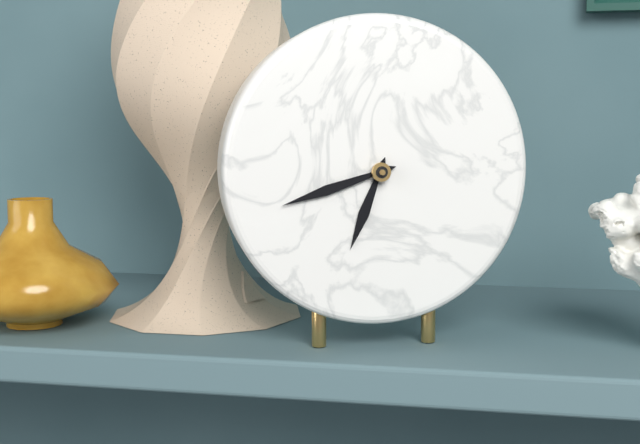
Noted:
6,42
